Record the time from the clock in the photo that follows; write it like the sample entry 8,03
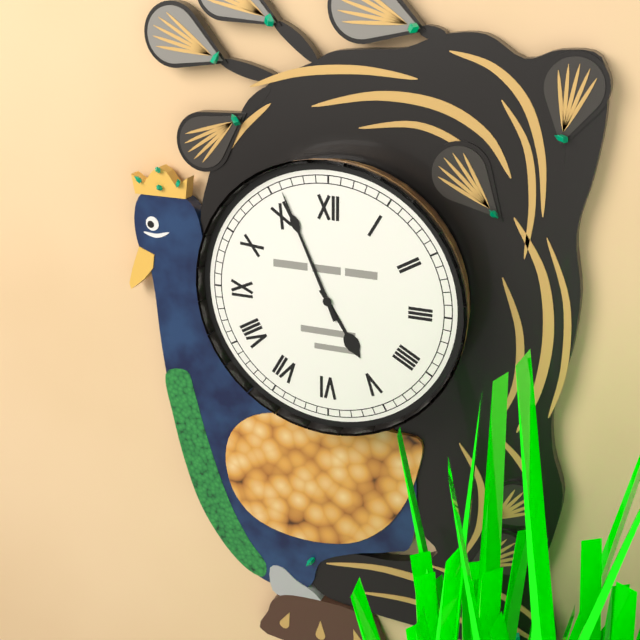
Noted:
4,56
